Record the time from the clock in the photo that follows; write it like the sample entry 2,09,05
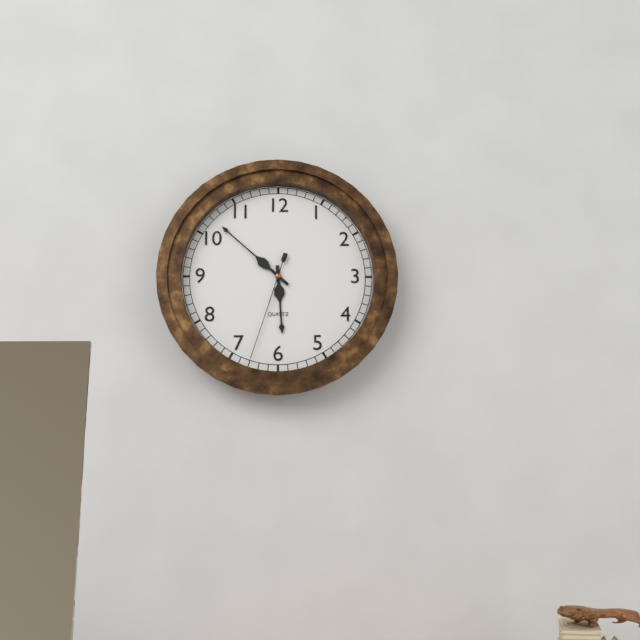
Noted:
5,52,33
